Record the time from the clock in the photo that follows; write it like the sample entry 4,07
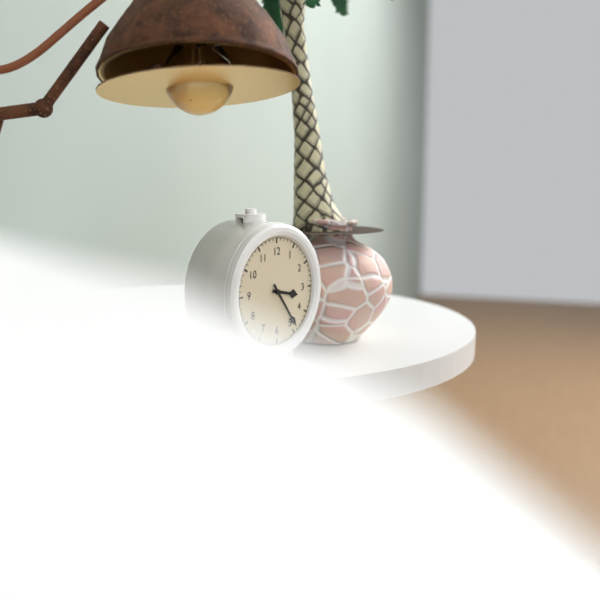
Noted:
3,24
